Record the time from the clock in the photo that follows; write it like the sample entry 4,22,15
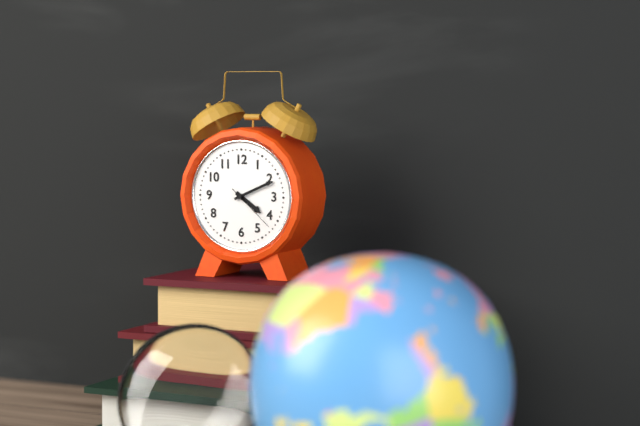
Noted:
4,11,22
